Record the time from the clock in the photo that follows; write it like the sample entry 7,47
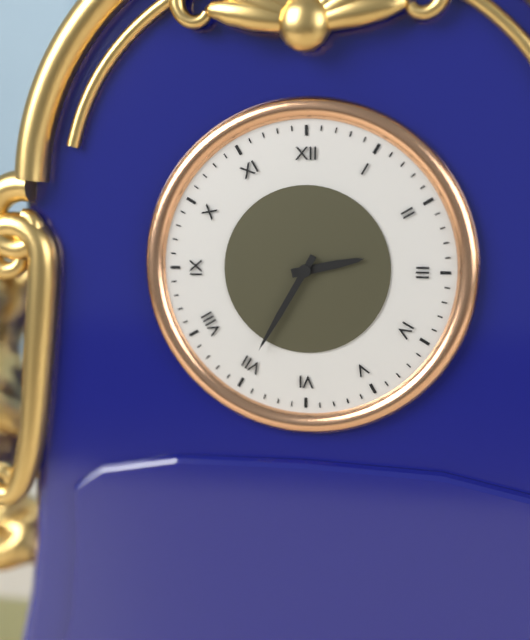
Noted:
2,35
